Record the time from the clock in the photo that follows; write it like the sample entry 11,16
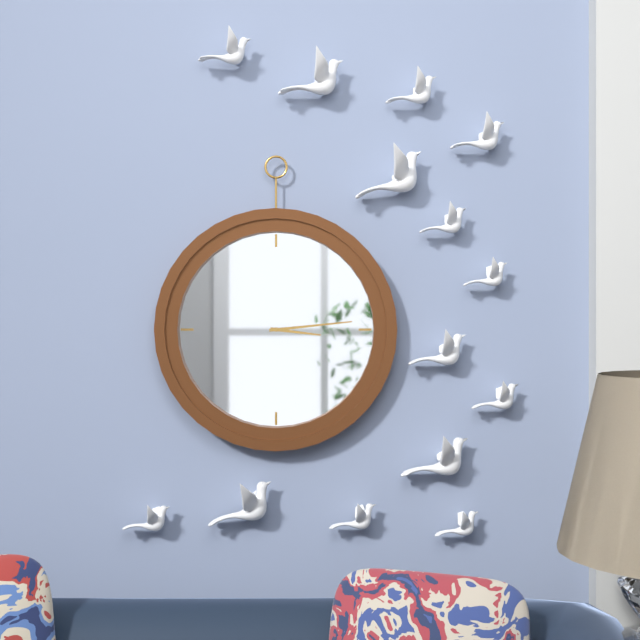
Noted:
3,14
